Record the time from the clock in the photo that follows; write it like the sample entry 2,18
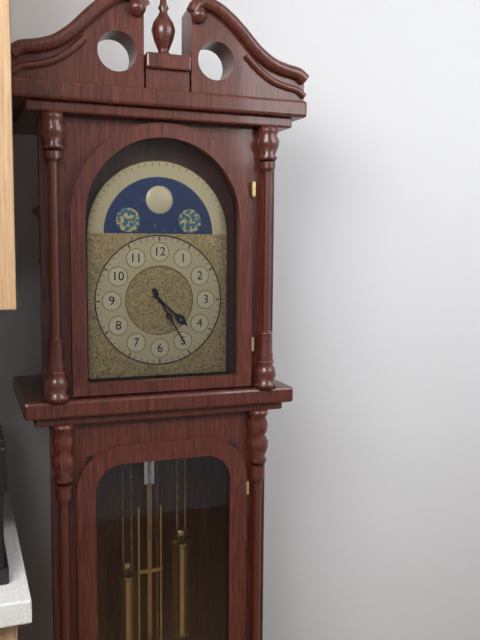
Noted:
4,25
